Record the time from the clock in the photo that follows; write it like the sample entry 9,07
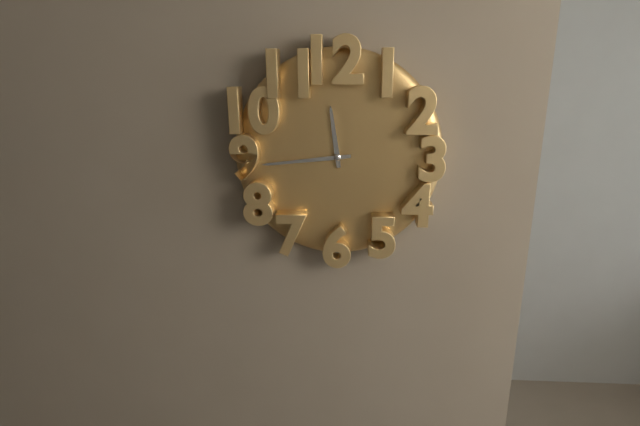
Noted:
11,44
